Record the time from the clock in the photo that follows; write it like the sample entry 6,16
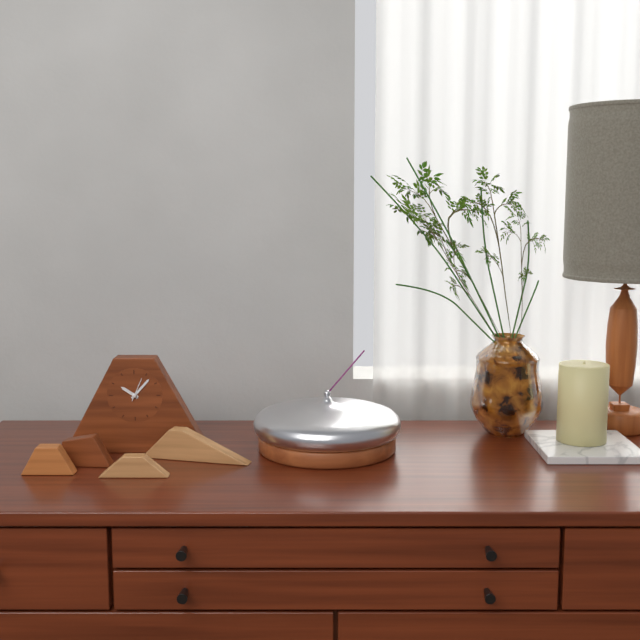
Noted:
10,07
